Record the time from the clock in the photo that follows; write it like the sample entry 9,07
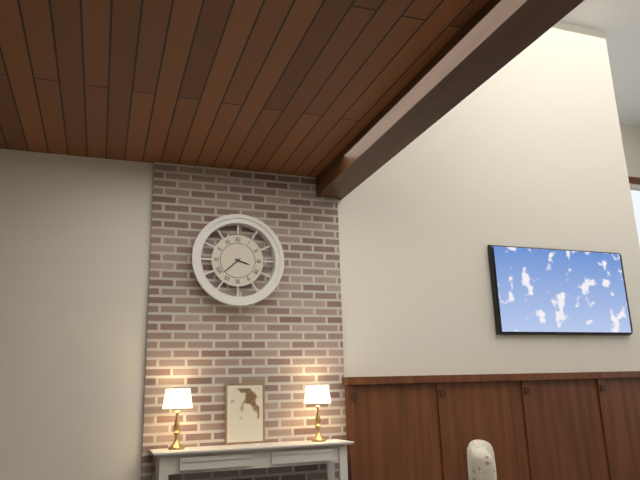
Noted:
3,38
